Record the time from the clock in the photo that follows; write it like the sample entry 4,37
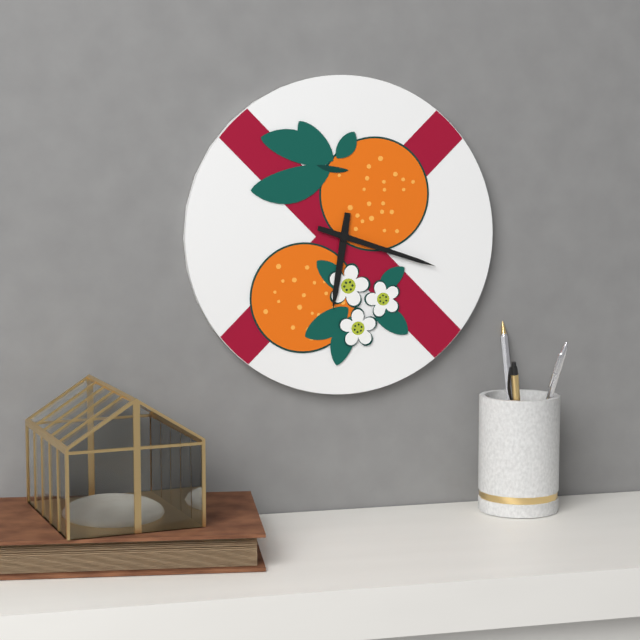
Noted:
6,18
